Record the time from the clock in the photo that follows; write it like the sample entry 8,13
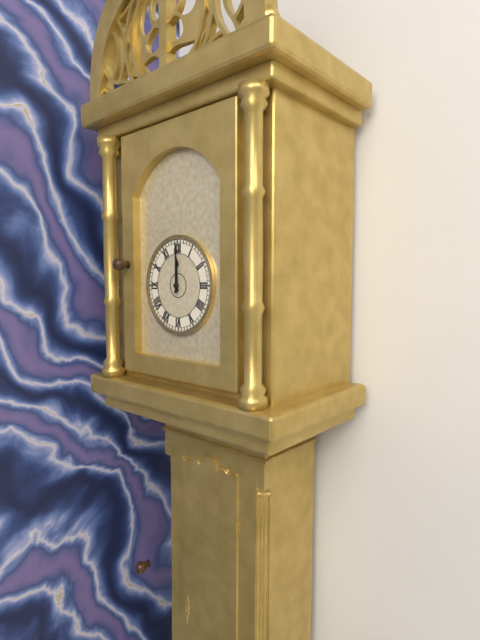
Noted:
12,00
